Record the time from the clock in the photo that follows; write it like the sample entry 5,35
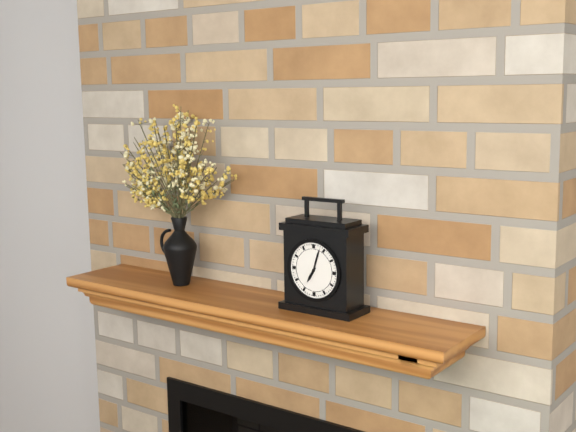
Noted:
7,03
